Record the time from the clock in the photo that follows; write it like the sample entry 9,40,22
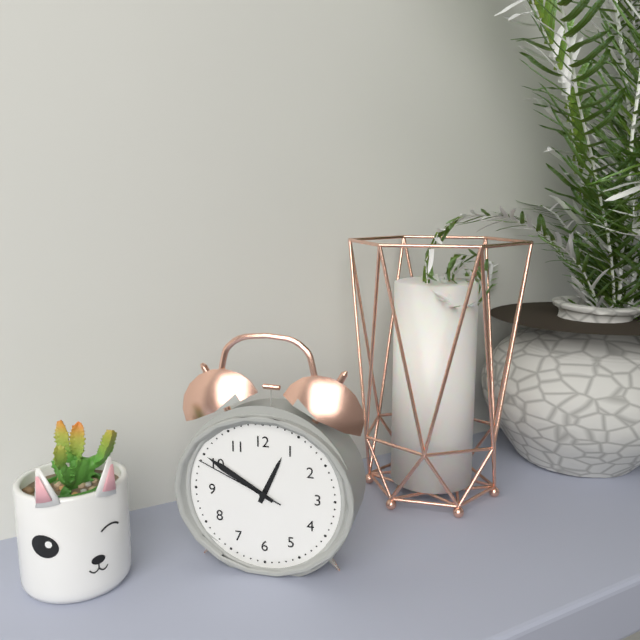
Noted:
12,50,49
